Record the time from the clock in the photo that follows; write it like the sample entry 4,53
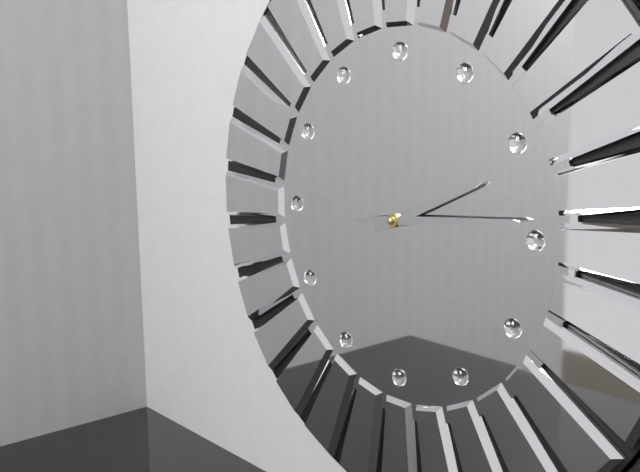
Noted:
2,14
